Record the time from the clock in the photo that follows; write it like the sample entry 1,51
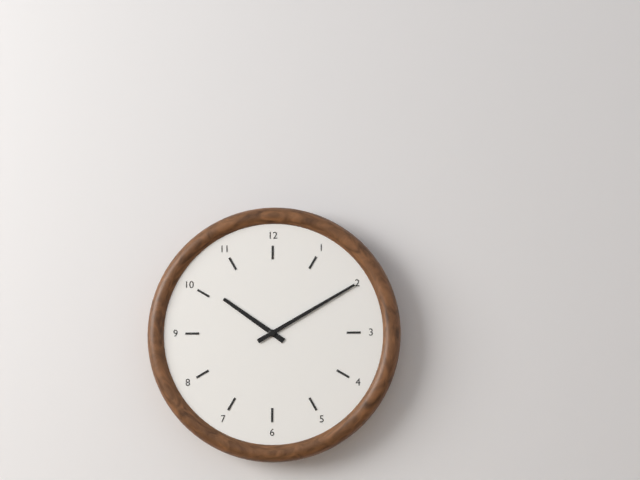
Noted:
10,10
